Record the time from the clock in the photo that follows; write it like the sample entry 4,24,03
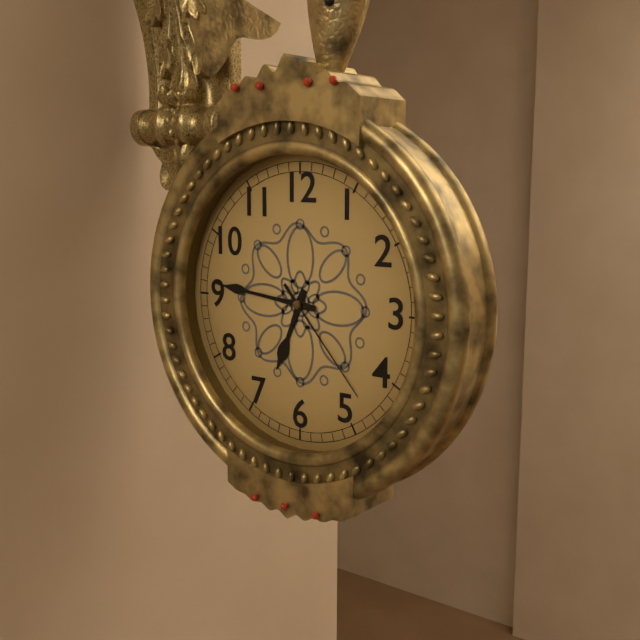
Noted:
6,46,23
